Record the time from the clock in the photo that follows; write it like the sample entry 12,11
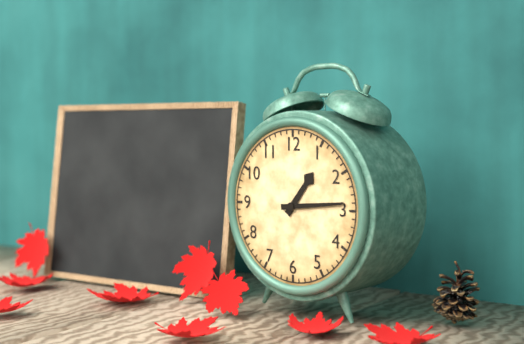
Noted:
1,14
